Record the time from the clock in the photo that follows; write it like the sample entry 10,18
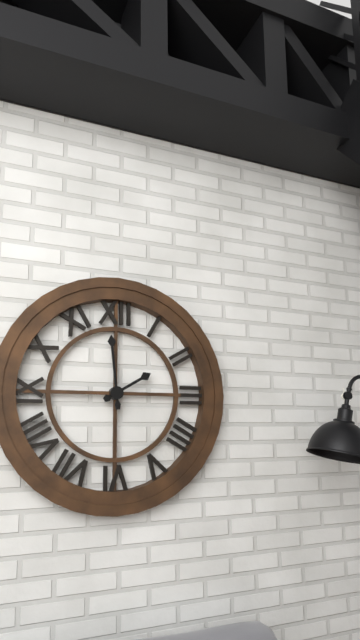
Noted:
1,59
